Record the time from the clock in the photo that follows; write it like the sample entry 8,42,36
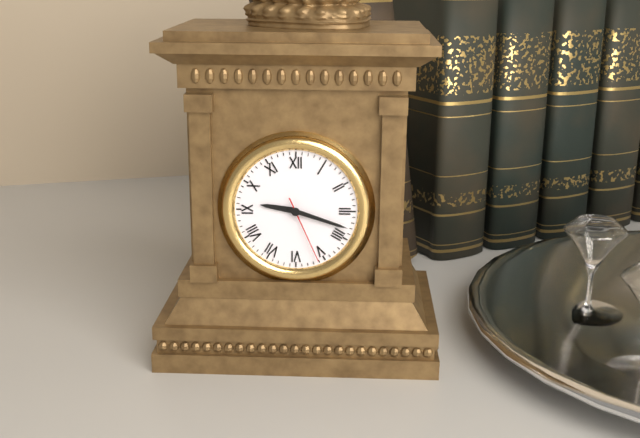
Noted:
9,18,26
